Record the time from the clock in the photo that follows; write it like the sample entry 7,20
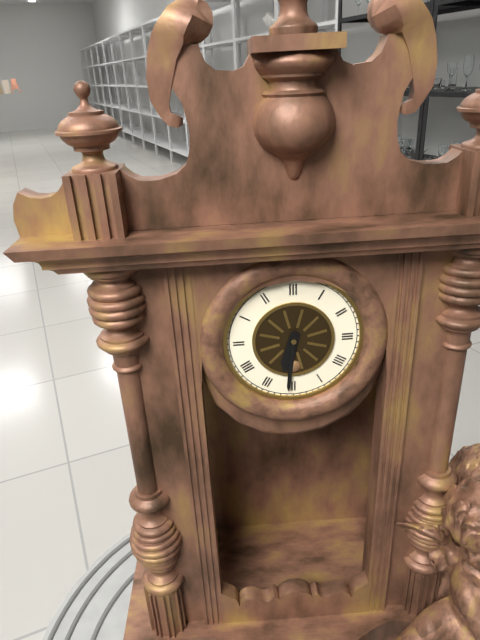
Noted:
6,31
